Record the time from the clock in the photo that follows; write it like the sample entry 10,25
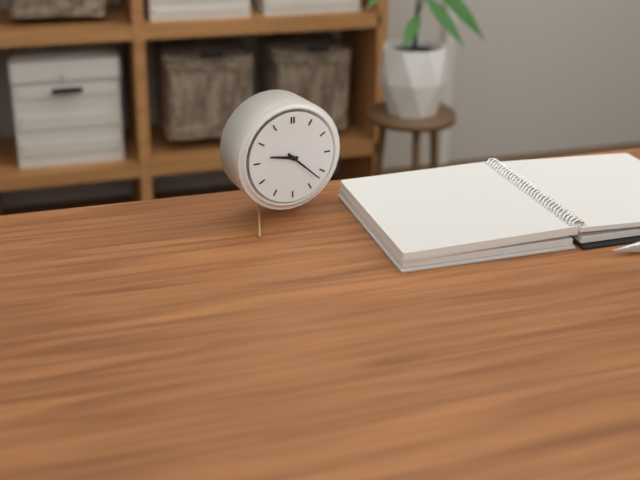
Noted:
9,22
